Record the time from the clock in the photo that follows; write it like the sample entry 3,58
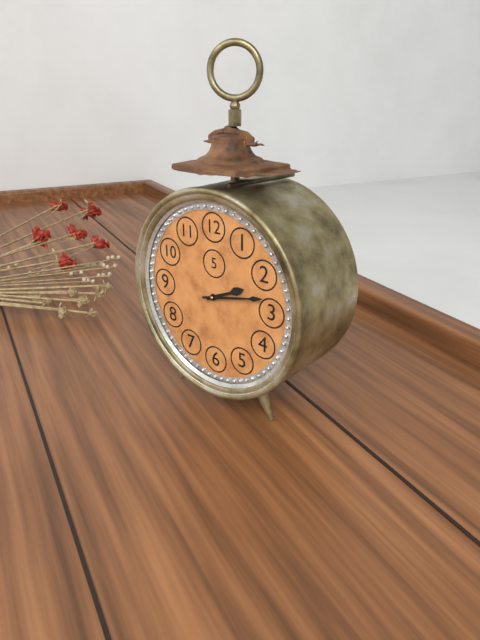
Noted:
2,13
